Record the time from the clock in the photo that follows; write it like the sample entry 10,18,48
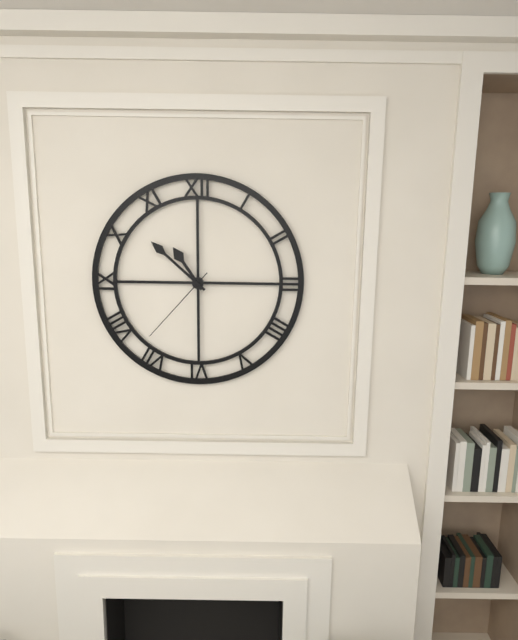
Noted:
10,52,37
